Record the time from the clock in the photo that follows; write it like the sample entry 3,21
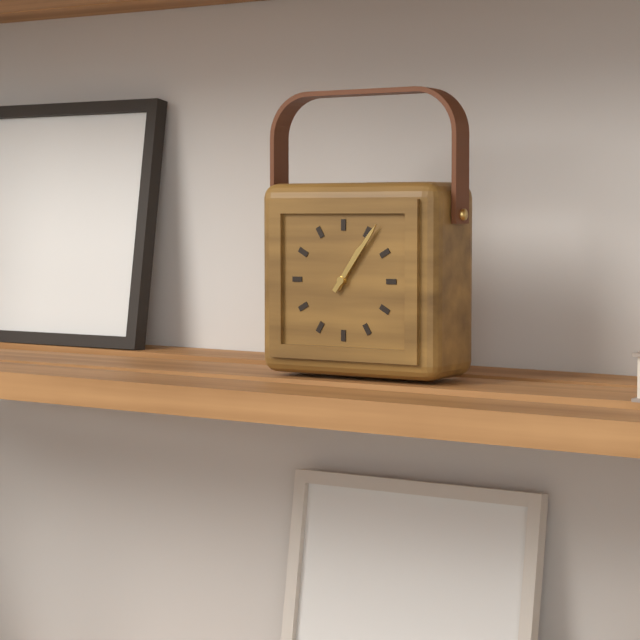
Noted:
1,06
